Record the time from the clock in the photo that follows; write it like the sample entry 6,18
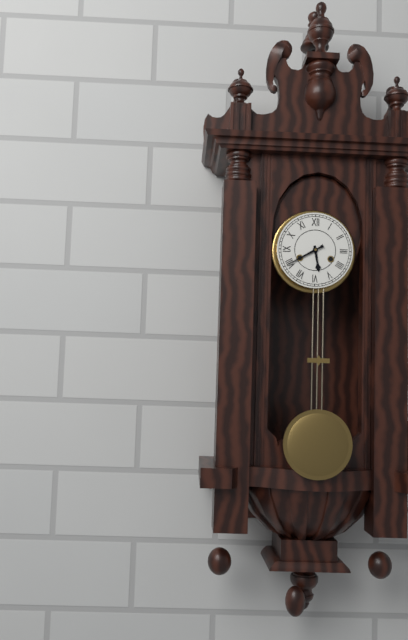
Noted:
5,40
